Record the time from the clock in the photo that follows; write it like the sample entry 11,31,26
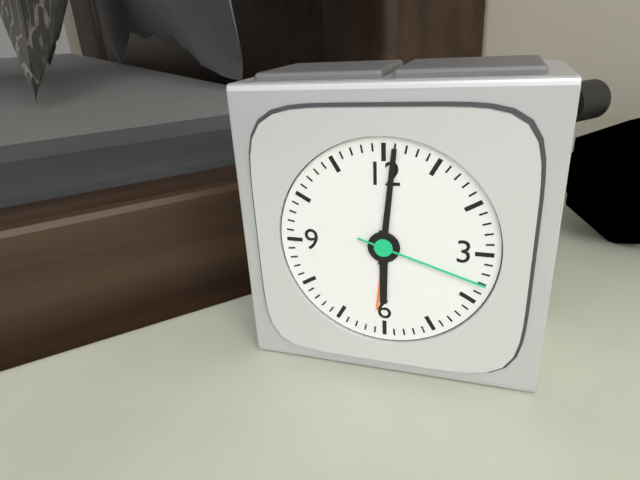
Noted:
6,01,18
